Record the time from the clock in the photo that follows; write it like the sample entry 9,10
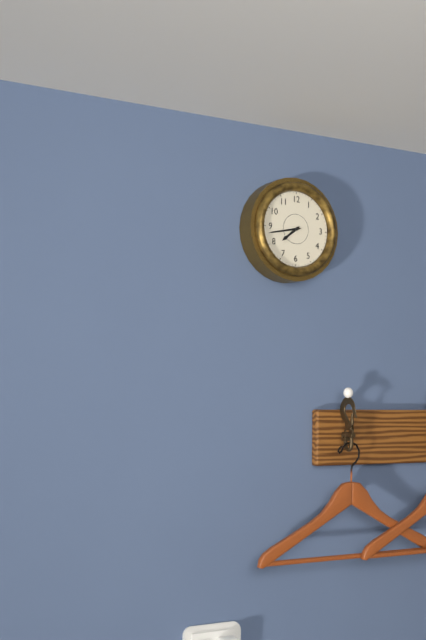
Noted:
7,43
